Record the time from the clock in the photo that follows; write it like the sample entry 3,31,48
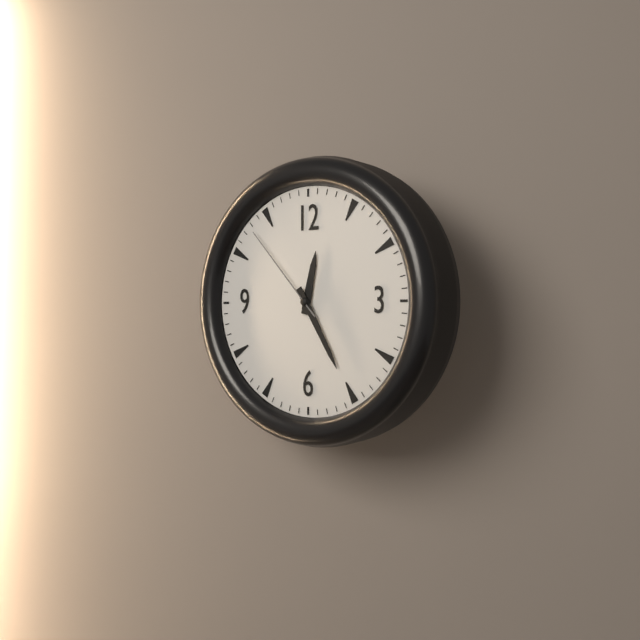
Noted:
12,25,53
